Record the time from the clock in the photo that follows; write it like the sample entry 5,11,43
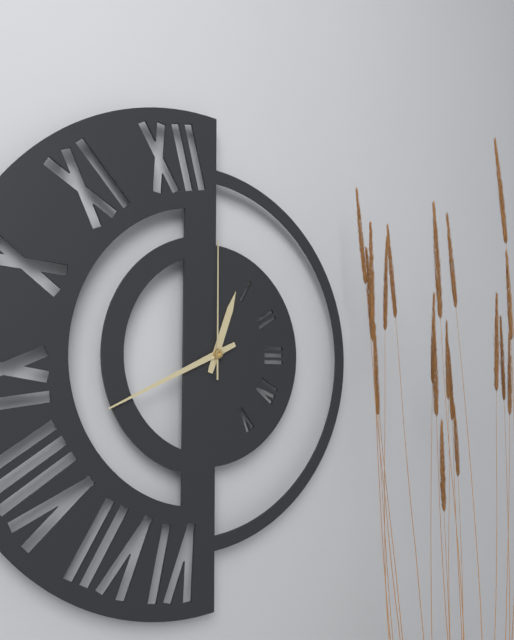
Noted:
12,41,00
